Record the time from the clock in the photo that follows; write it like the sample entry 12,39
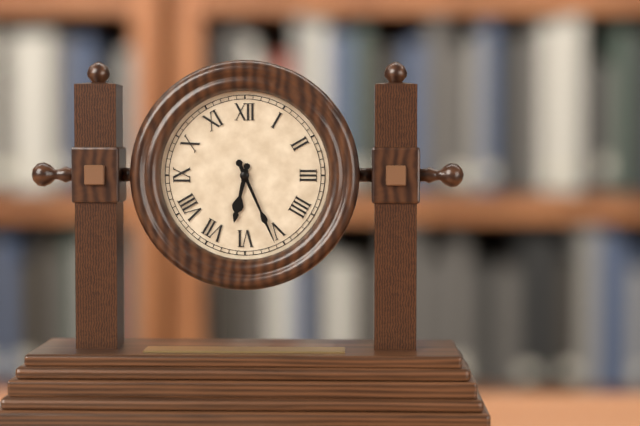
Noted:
6,26
